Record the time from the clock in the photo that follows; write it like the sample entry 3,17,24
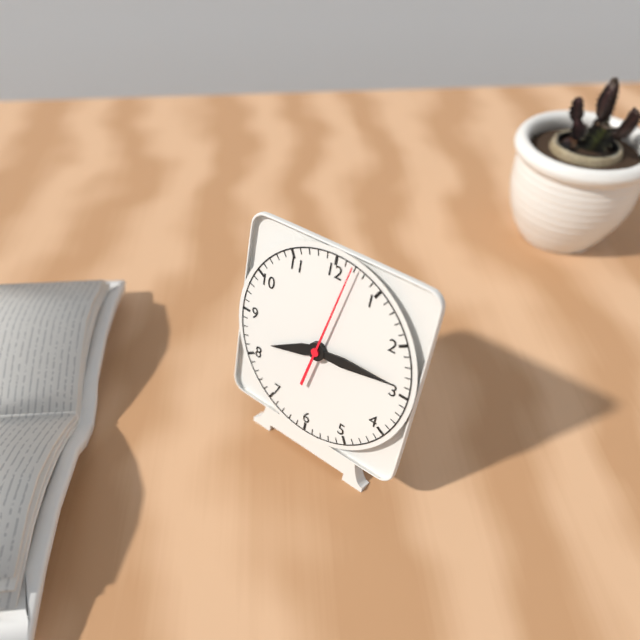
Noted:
8,14,02
